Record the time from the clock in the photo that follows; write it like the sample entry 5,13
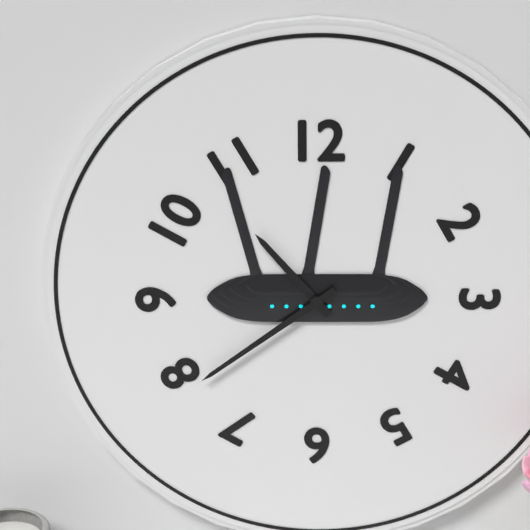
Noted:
10,39
